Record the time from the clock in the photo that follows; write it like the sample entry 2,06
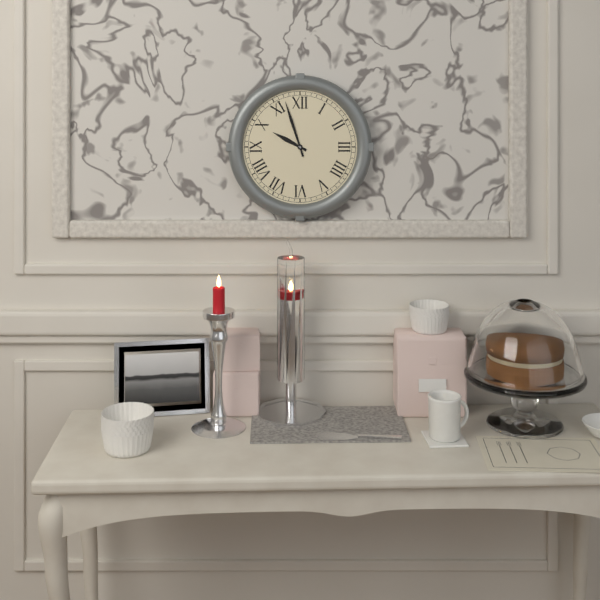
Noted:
9,57
